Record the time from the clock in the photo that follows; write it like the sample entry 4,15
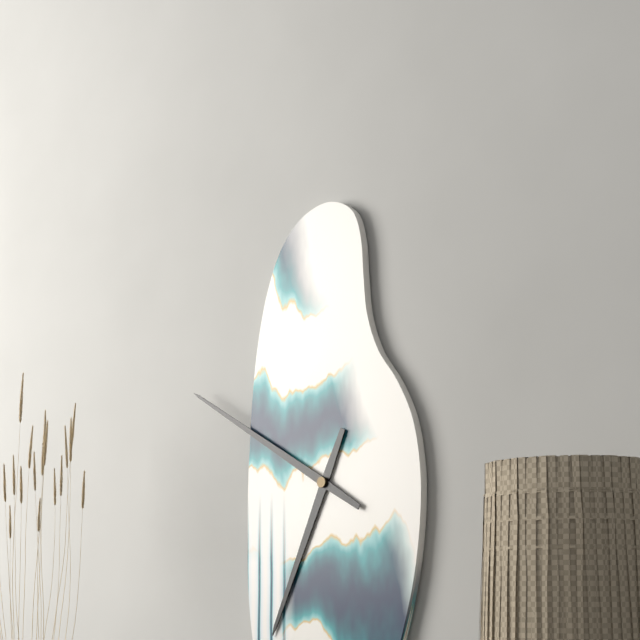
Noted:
6,50
